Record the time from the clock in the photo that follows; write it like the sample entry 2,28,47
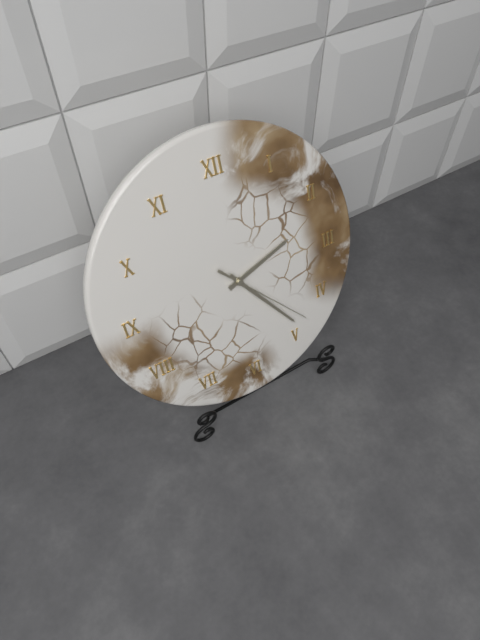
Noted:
2,24,23
